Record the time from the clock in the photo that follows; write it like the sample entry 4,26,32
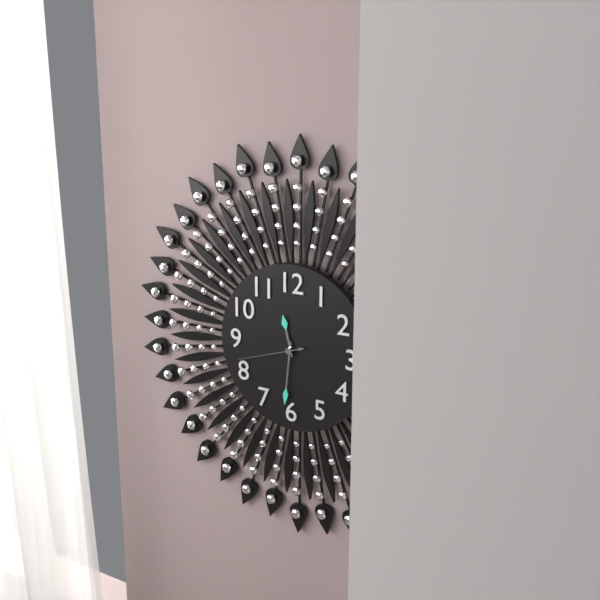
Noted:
11,31,42
